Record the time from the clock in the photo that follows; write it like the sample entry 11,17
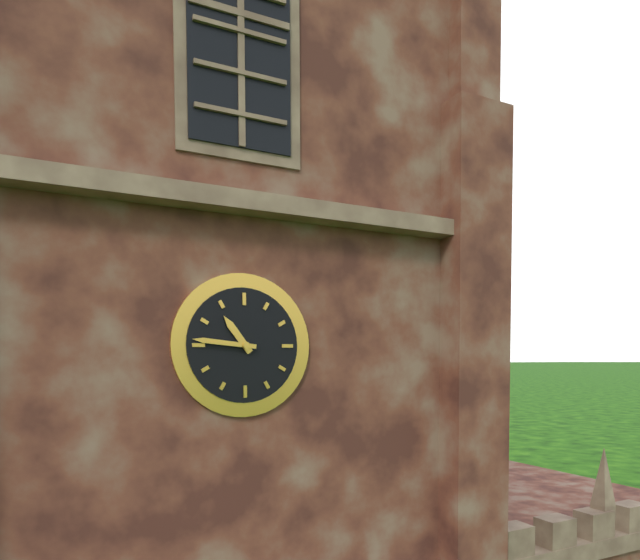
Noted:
10,46
